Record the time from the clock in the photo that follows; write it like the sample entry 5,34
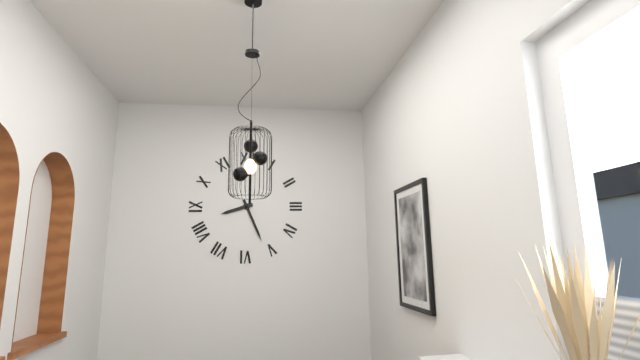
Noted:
8,26
